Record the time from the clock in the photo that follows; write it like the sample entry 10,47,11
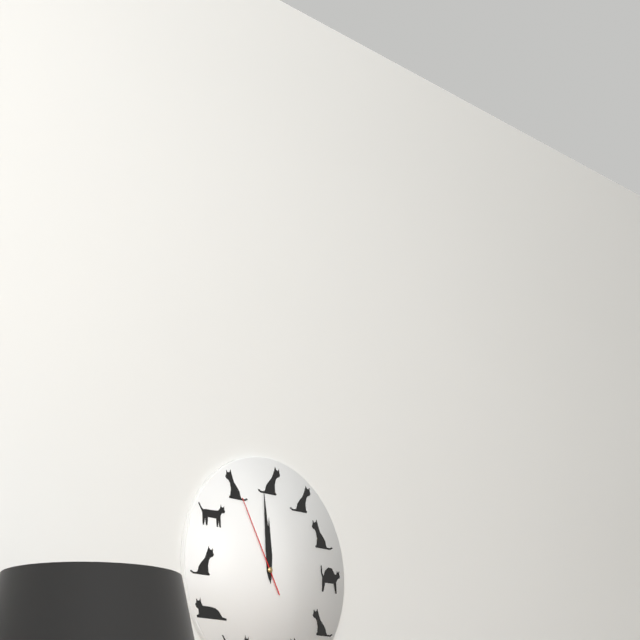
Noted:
11,59,55
